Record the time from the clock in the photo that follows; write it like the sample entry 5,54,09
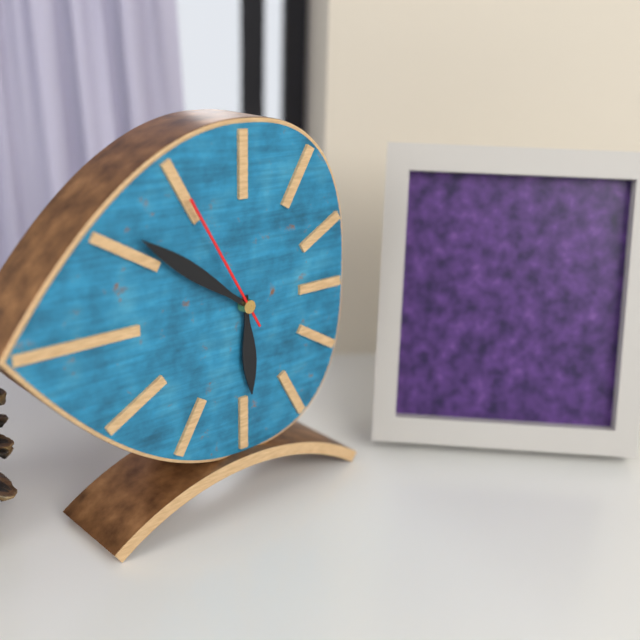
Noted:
5,51,55
